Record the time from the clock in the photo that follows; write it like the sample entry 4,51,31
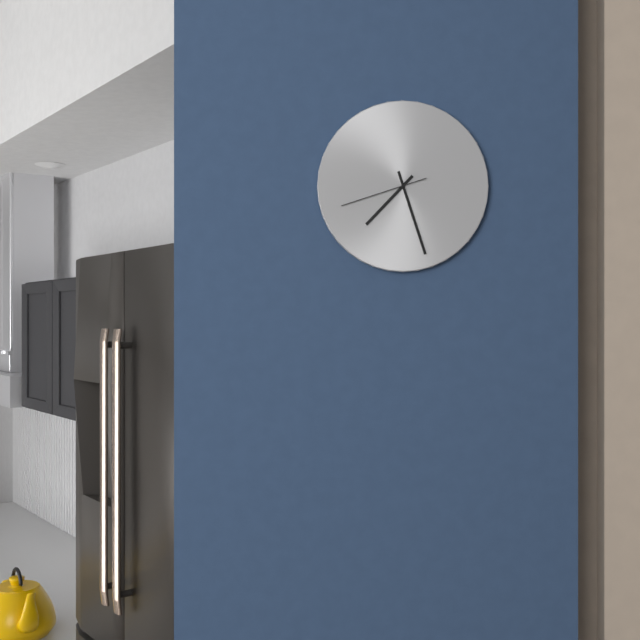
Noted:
7,27,42
